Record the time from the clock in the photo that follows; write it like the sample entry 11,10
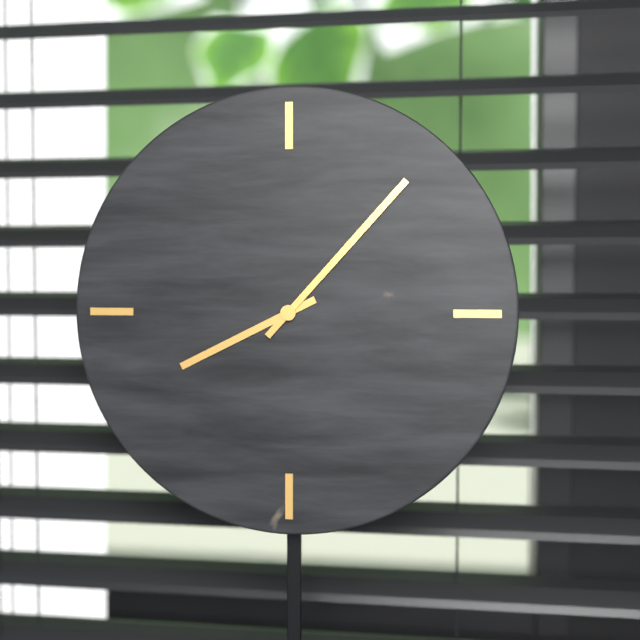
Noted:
8,07
